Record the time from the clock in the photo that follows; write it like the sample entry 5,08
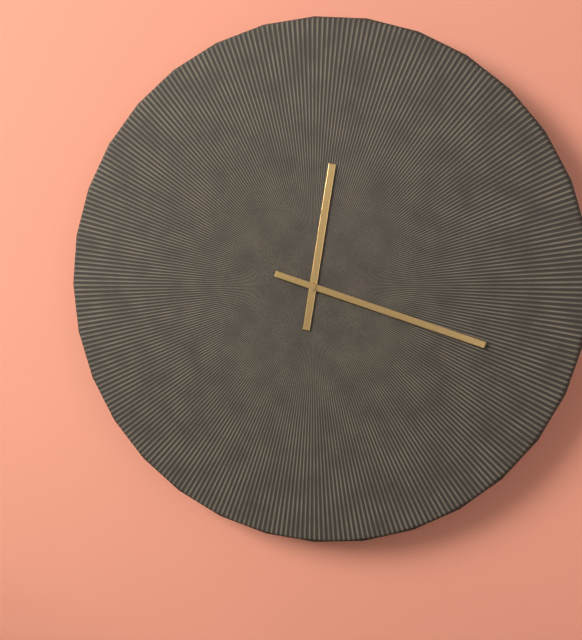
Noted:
12,18
